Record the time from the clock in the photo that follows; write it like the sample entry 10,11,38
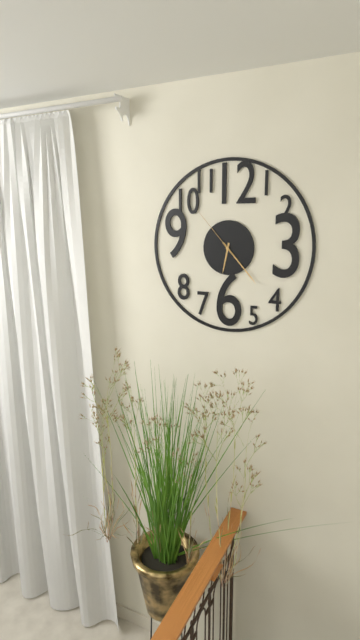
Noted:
6,23,53
